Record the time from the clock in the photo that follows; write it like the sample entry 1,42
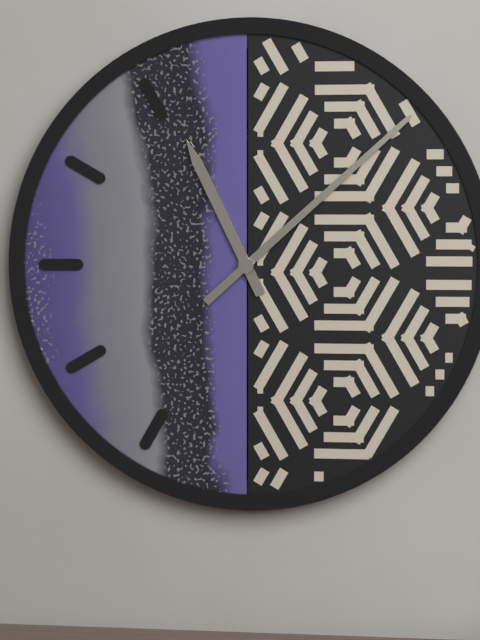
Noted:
11,08
